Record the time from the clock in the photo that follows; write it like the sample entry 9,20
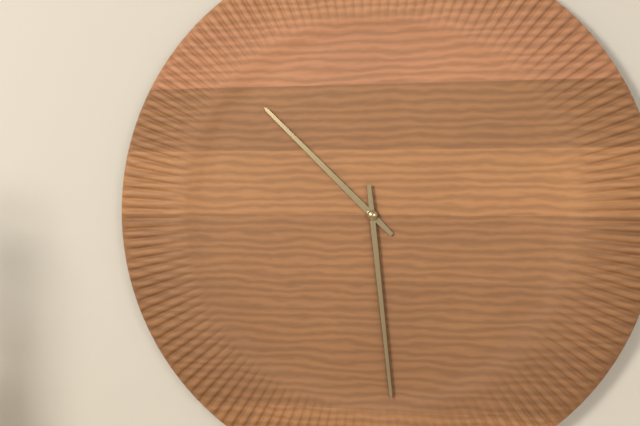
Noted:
10,29
